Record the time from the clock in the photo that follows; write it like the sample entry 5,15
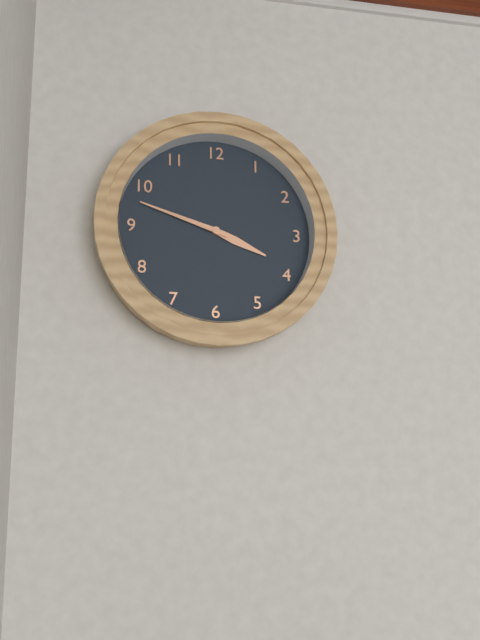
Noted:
3,48
